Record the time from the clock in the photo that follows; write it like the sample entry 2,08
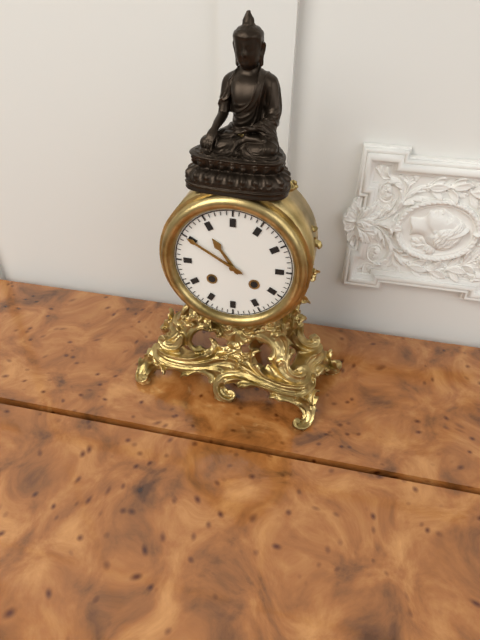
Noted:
10,50
